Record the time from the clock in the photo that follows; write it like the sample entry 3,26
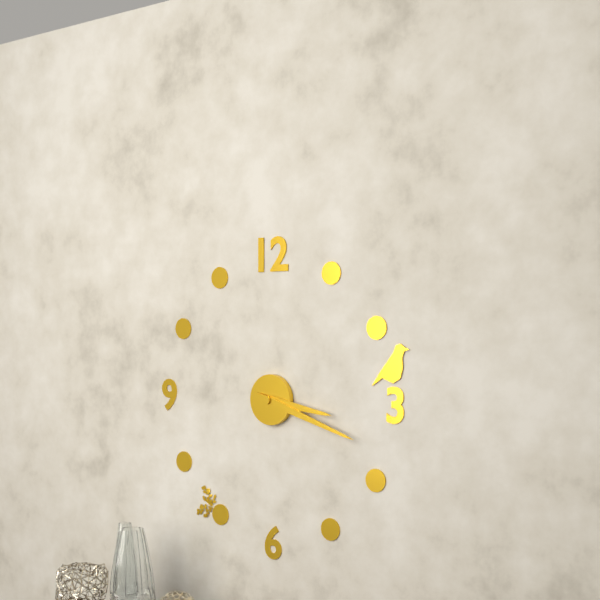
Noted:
3,18
